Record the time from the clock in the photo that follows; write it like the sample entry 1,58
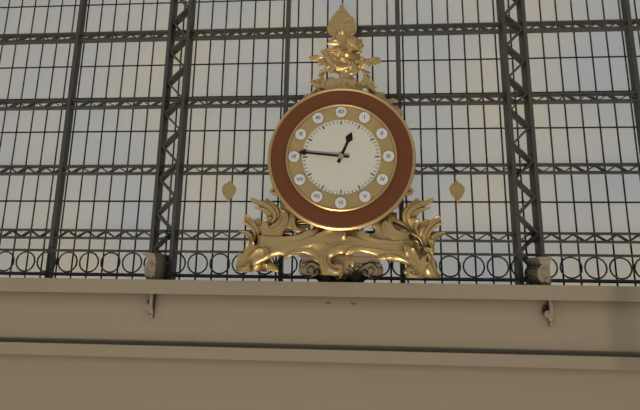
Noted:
12,46
